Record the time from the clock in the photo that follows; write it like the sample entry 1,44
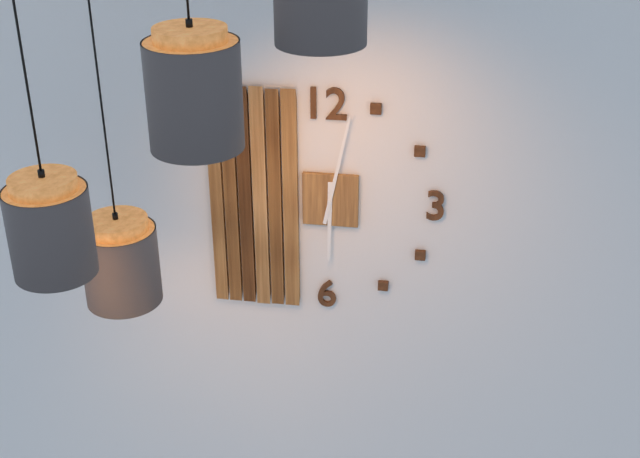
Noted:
6,02
